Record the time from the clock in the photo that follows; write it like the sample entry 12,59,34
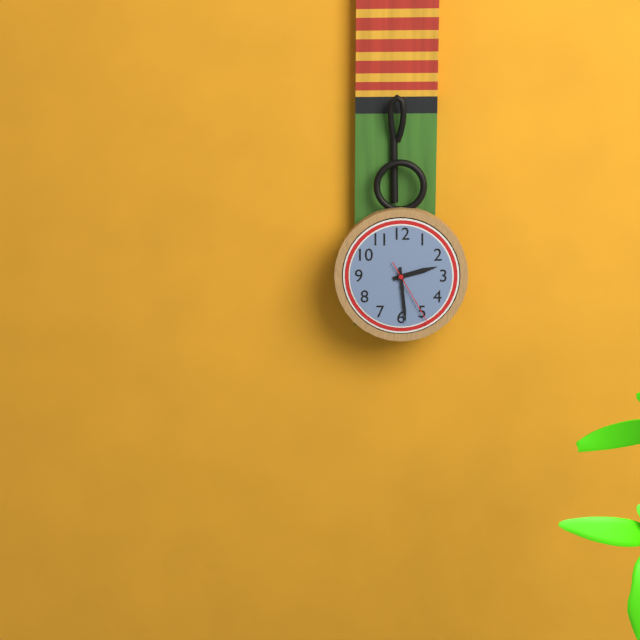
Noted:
2,29,25
